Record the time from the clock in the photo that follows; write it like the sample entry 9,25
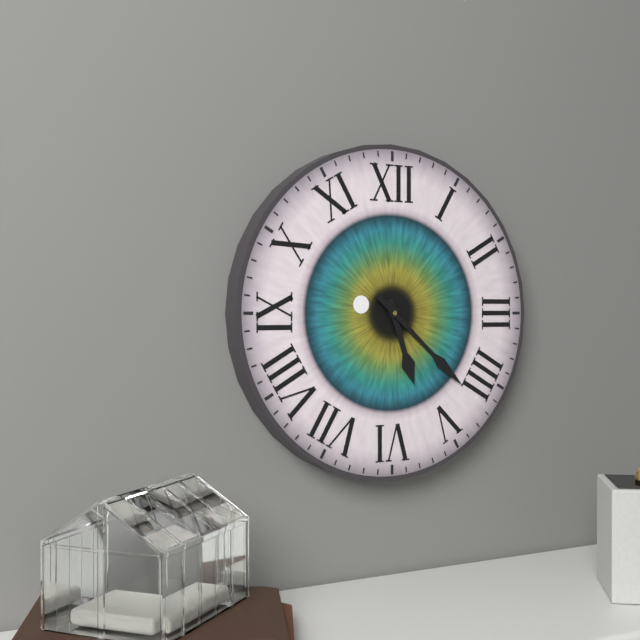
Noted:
5,22
